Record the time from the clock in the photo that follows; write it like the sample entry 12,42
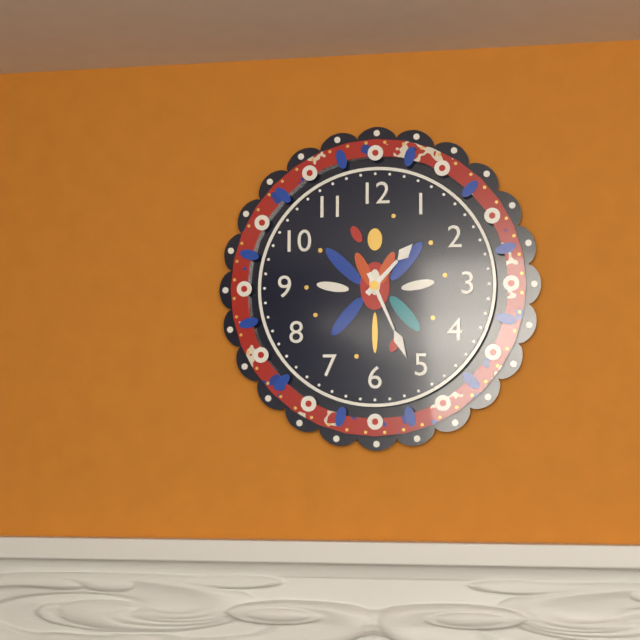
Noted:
1,26
